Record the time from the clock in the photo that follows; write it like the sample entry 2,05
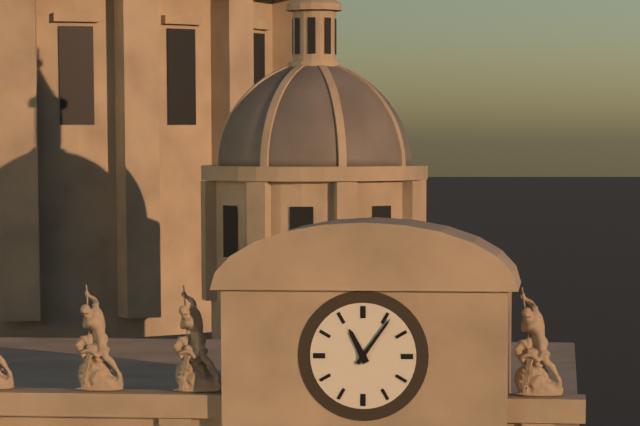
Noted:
11,06
